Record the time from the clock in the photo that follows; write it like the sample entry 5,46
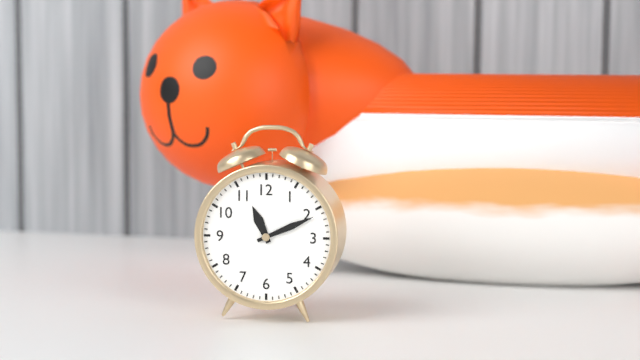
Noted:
11,11
